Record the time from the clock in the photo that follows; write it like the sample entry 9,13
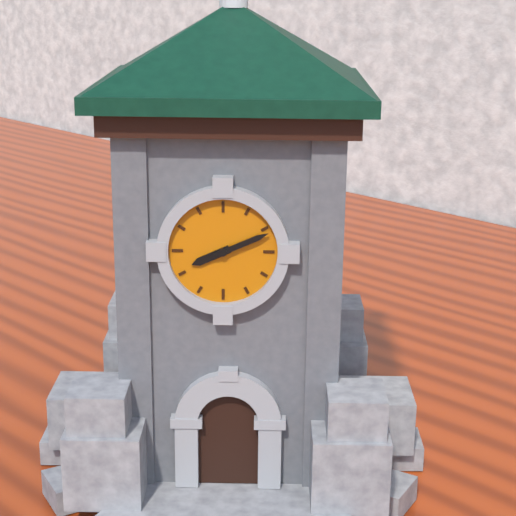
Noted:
8,11
